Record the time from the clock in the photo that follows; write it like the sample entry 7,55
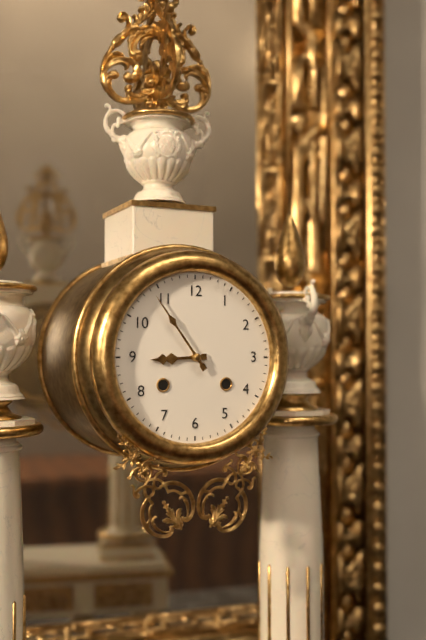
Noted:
8,54
